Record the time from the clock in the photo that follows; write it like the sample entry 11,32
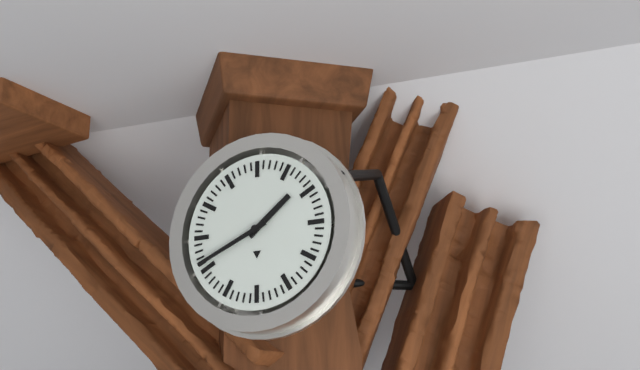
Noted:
1,41
